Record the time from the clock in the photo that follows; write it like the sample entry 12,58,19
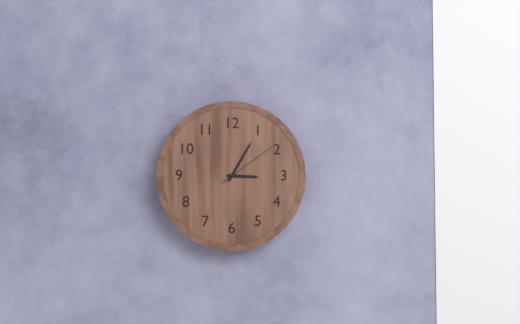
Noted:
3,05,09
